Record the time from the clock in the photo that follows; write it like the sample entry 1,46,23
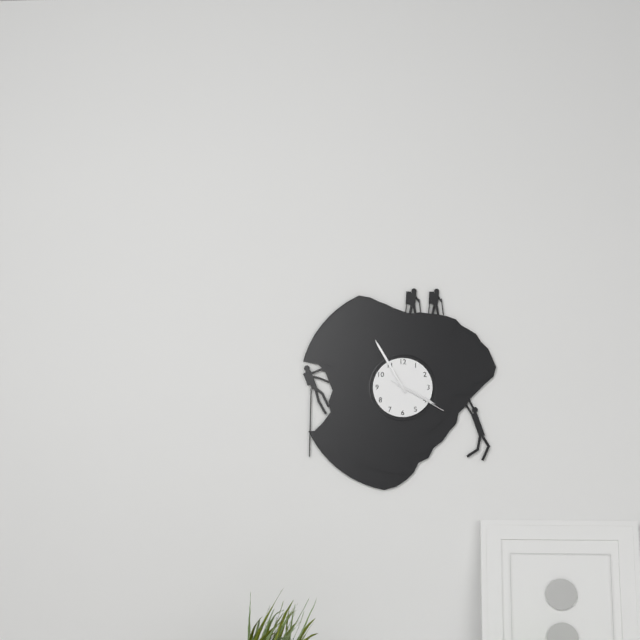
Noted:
3,55,20
